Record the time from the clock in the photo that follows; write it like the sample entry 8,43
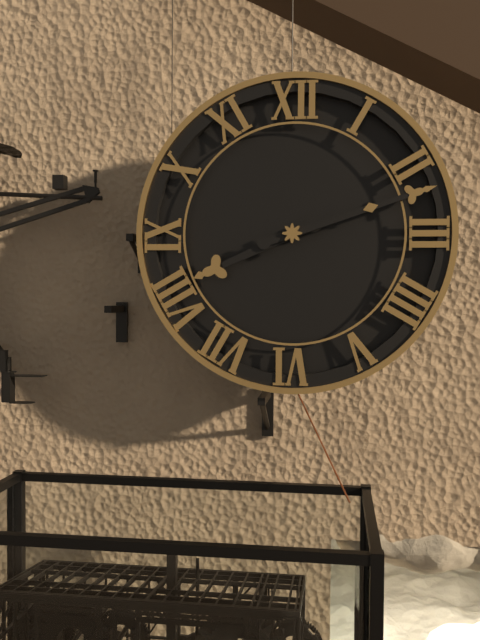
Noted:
8,12
